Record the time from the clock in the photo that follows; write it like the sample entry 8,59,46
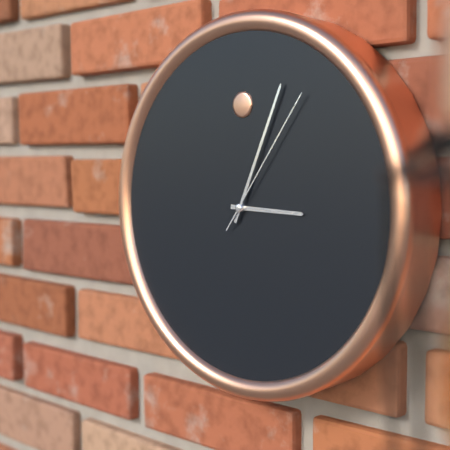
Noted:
3,04,06
